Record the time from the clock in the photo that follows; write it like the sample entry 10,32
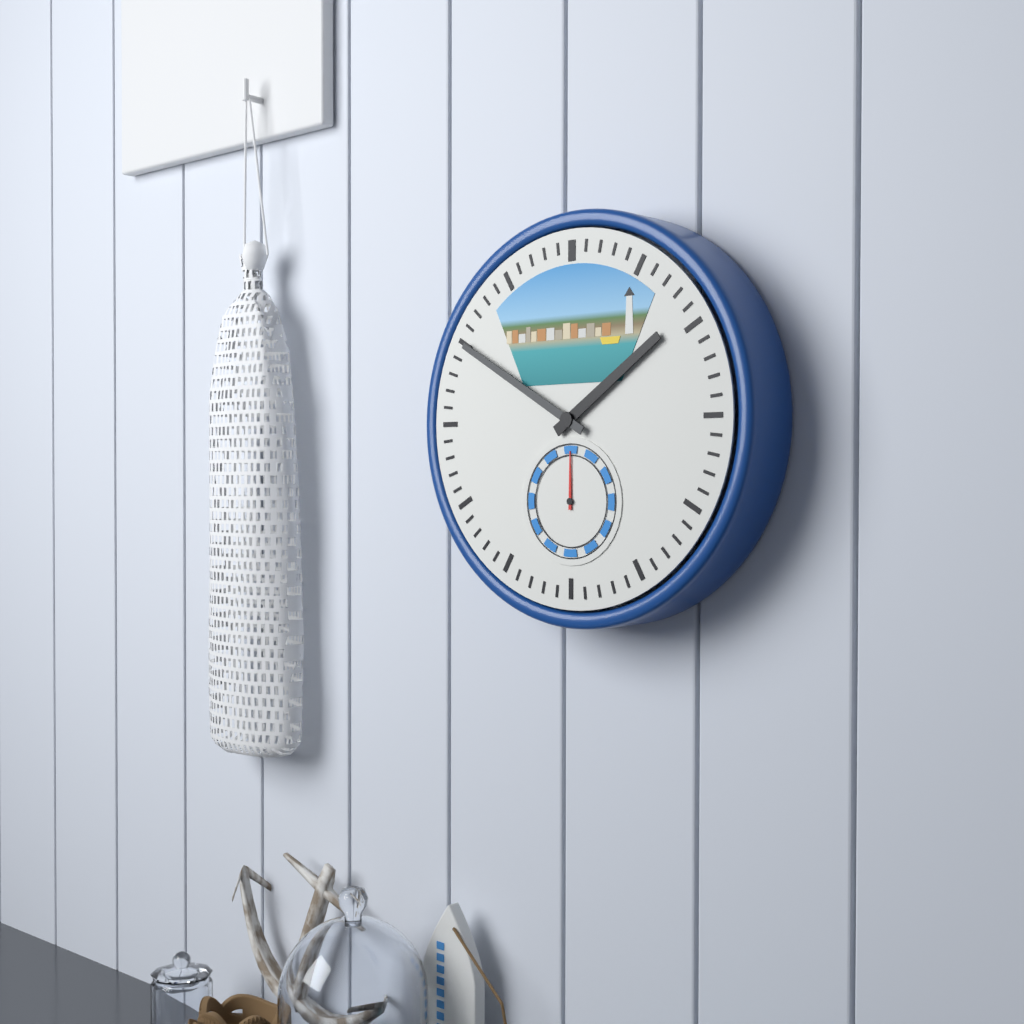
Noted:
1,50
